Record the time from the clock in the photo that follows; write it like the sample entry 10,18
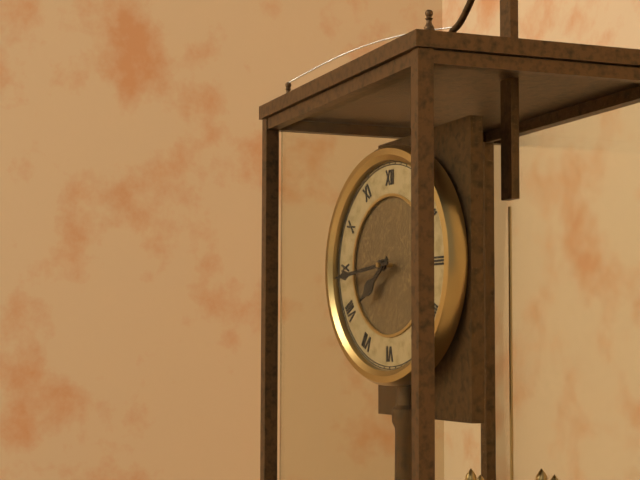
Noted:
7,44
